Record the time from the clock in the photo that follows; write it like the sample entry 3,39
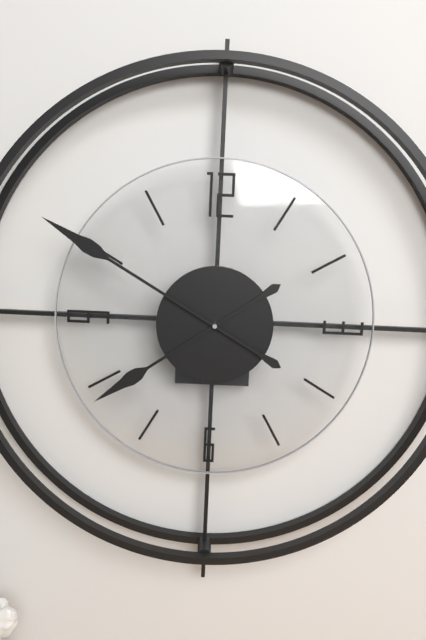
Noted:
7,50
